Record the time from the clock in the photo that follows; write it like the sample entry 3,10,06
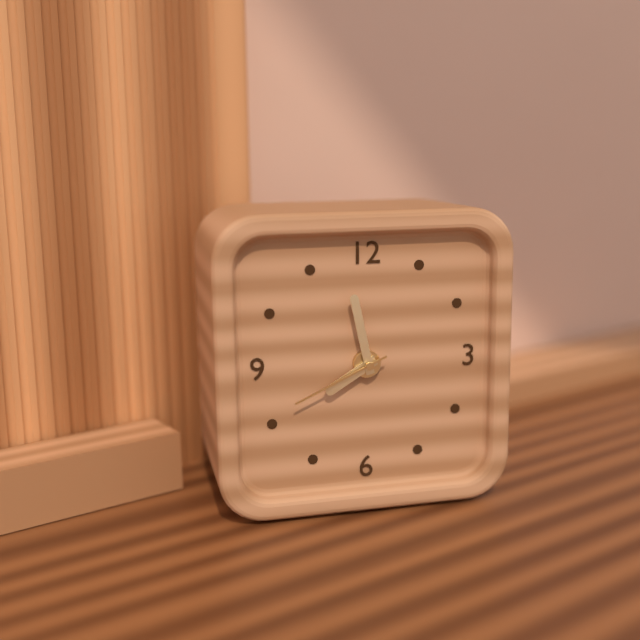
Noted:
7,58,41
